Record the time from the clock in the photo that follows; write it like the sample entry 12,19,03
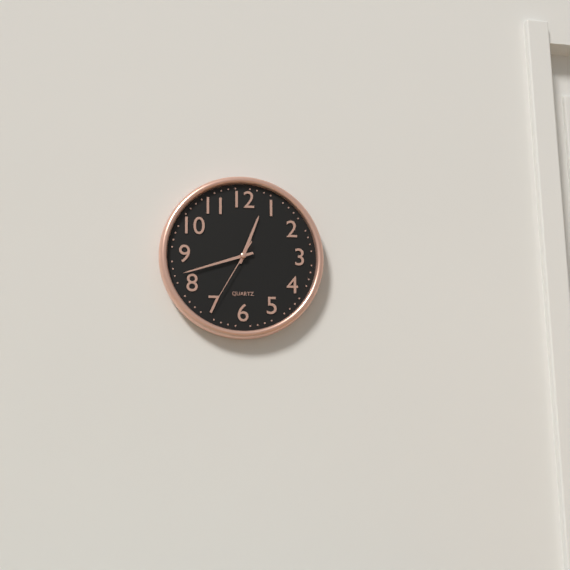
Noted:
12,42,35
